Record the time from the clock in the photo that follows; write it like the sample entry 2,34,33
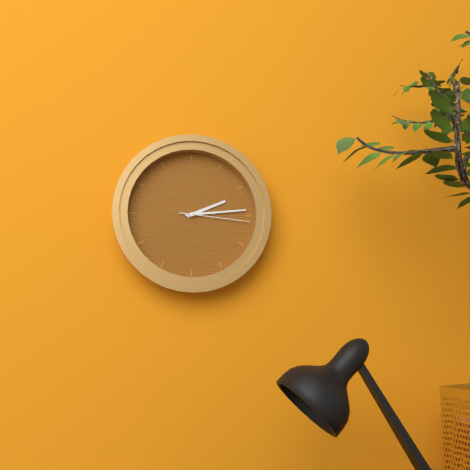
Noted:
2,14,16
